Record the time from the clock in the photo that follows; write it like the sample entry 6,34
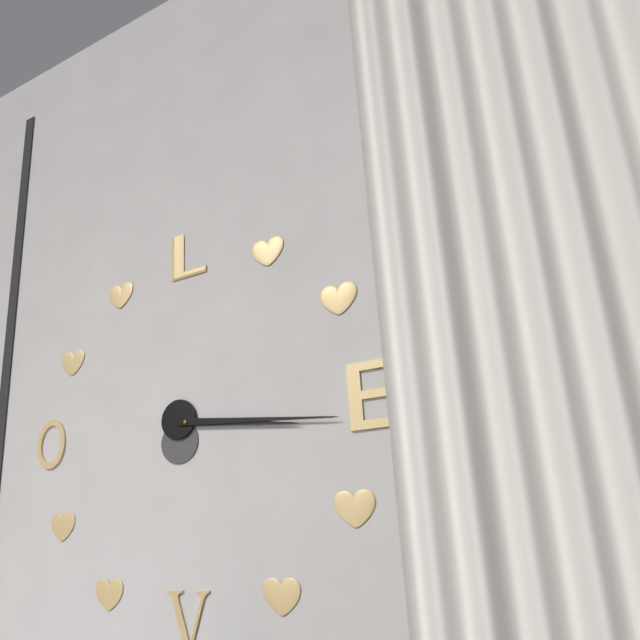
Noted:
3,16
